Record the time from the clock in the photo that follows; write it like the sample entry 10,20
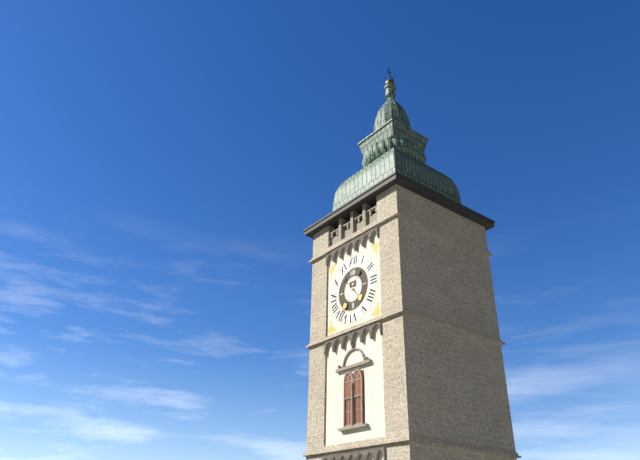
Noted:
4,36
